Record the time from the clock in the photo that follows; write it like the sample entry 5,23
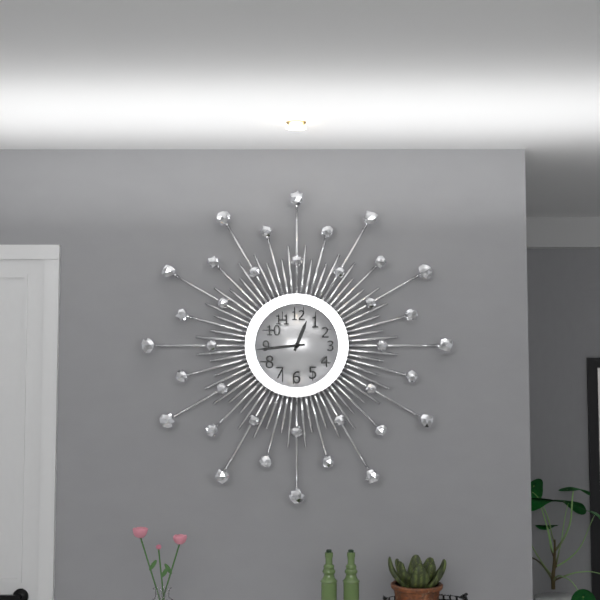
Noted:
12,44
